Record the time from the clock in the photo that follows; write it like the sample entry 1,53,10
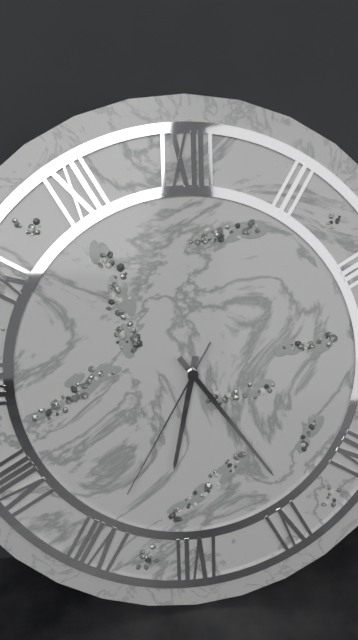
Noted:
6,24,35
